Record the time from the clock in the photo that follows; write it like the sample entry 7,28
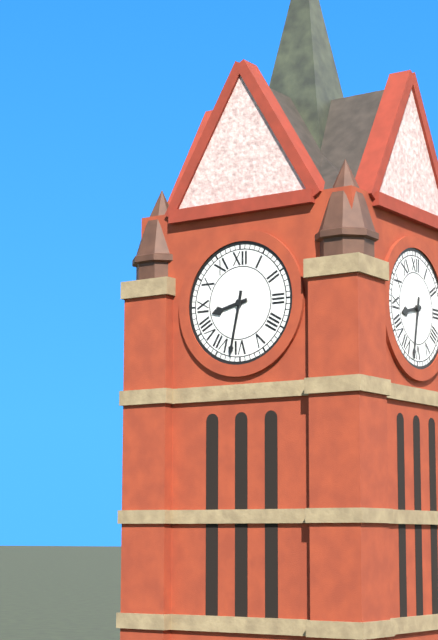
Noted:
8,32
